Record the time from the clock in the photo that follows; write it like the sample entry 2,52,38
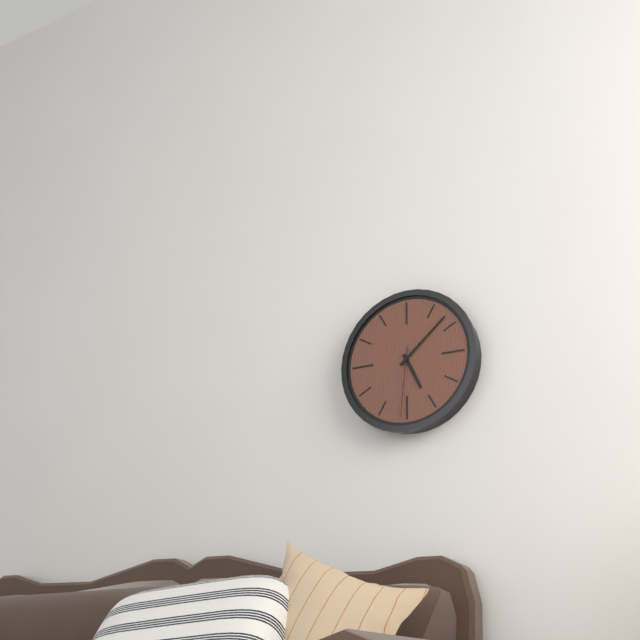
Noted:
5,08,31
